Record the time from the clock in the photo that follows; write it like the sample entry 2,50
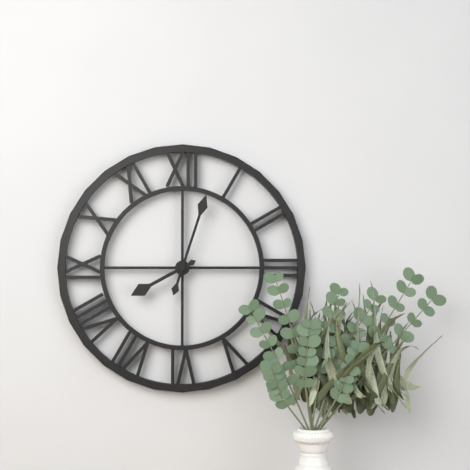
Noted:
8,03
